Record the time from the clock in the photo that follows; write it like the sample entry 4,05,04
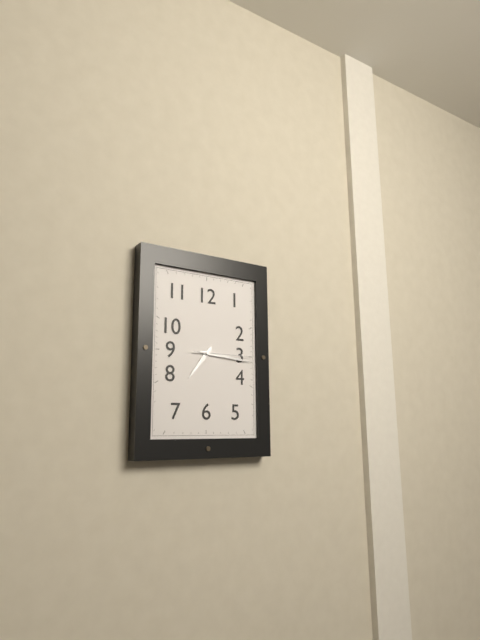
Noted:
7,16,15
